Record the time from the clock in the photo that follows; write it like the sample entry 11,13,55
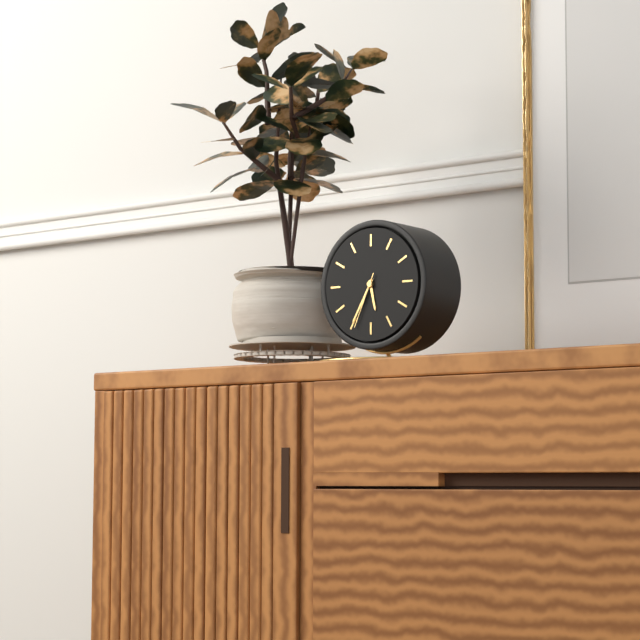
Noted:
5,35,34
